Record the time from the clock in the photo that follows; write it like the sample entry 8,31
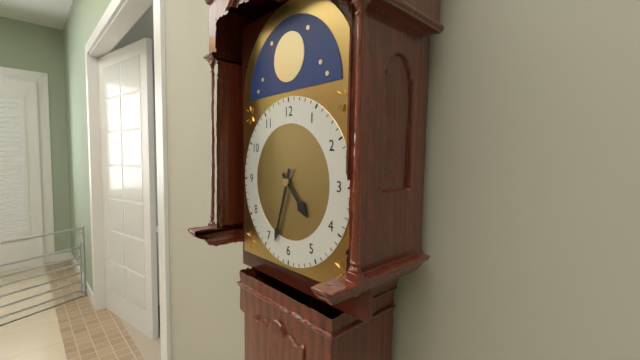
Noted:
4,33
